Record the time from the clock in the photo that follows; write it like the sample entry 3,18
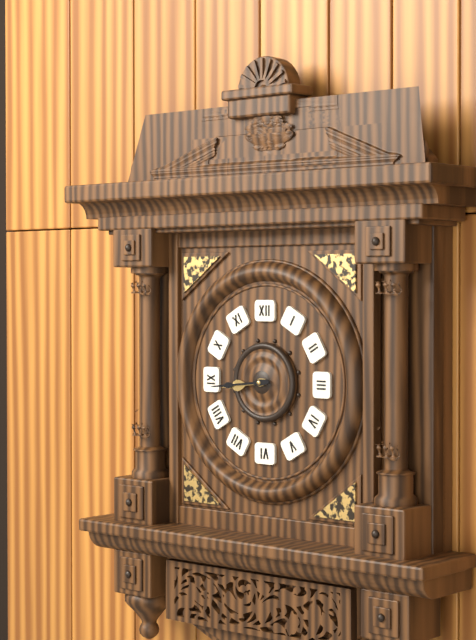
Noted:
8,44
